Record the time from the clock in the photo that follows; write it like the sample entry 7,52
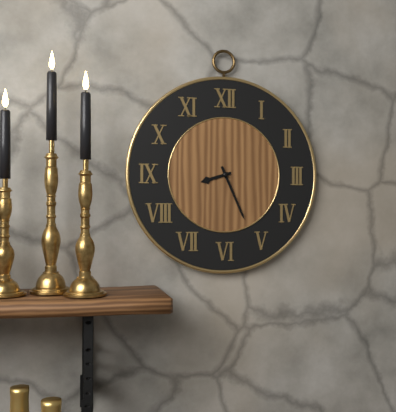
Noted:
8,26
